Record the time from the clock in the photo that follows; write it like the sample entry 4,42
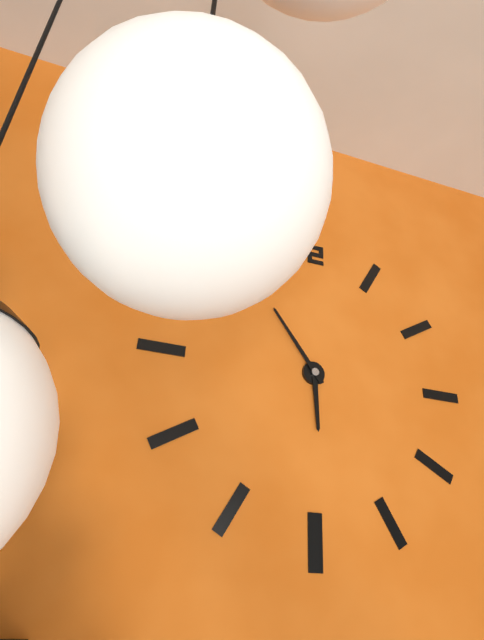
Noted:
5,54
